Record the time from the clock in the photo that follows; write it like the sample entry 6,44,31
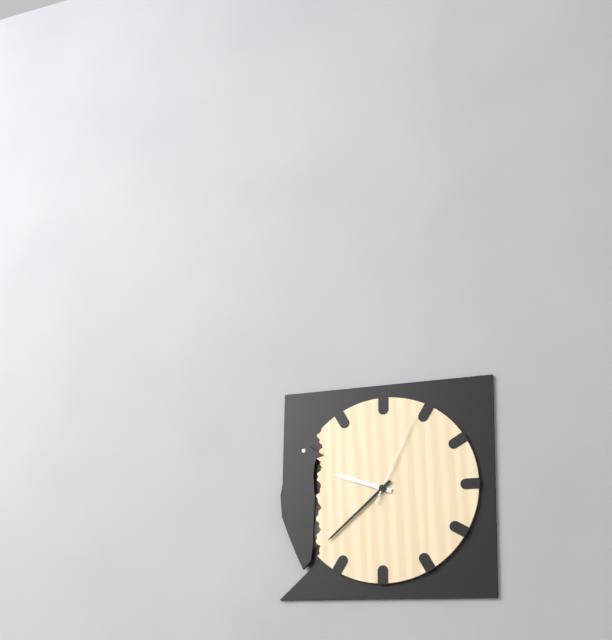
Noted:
9,38,04
